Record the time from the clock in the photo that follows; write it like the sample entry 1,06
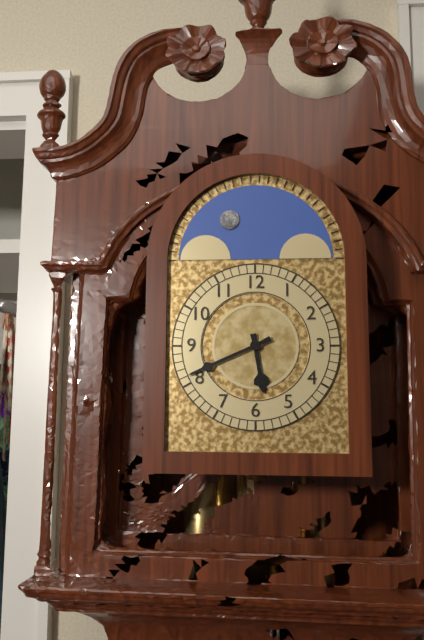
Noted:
5,41
